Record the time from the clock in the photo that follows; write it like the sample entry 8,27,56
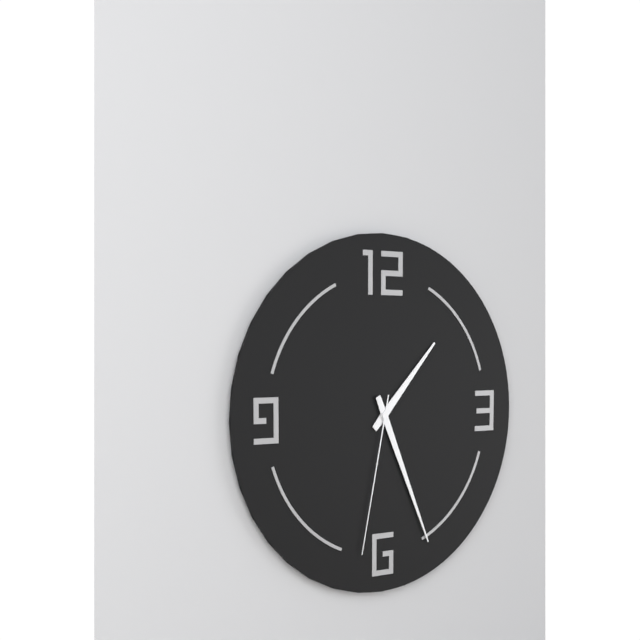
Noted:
1,26,32
